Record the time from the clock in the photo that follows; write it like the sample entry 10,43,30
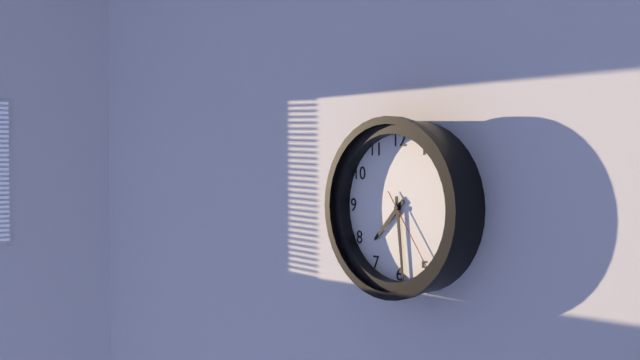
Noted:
7,29,24
